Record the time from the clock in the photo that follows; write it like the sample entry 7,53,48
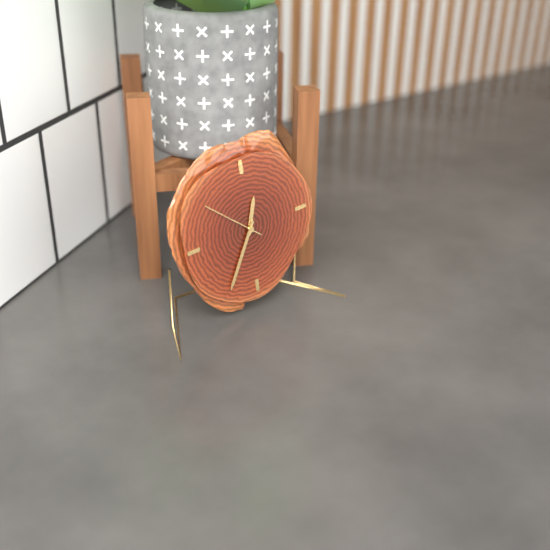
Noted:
12,35,52
